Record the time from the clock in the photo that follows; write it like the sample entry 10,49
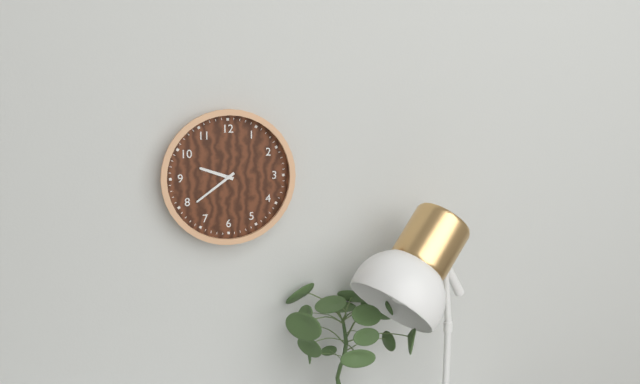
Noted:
9,39
